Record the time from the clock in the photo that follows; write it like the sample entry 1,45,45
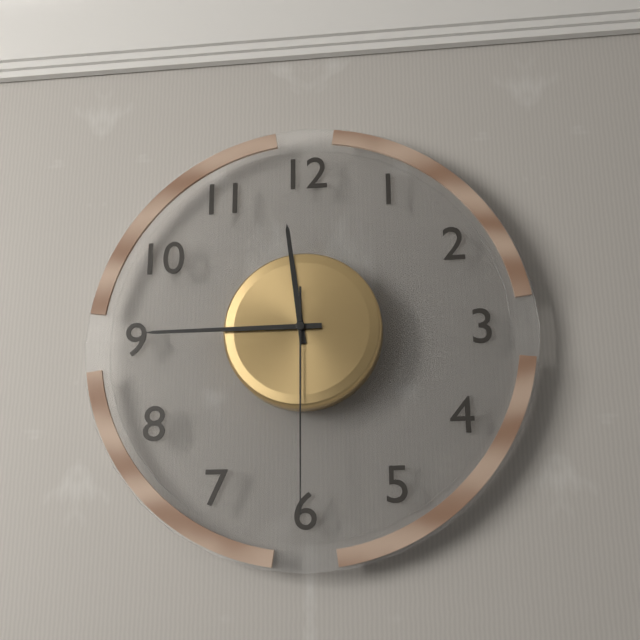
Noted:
11,45,30
